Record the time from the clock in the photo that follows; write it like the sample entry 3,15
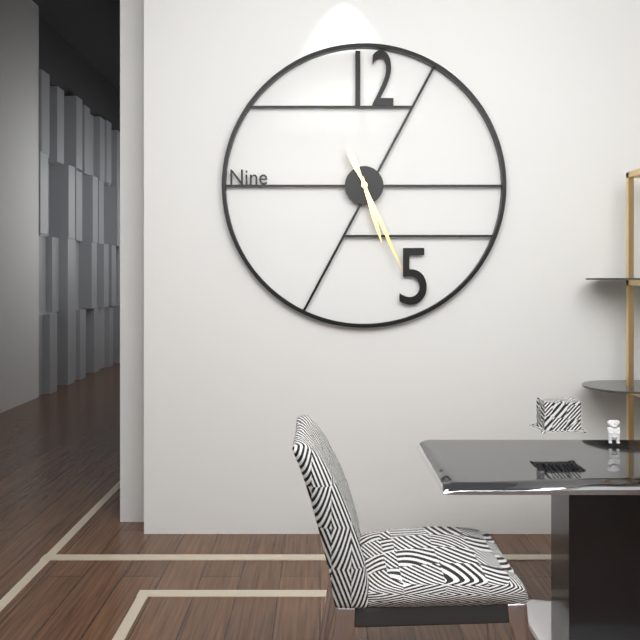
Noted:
5,26
